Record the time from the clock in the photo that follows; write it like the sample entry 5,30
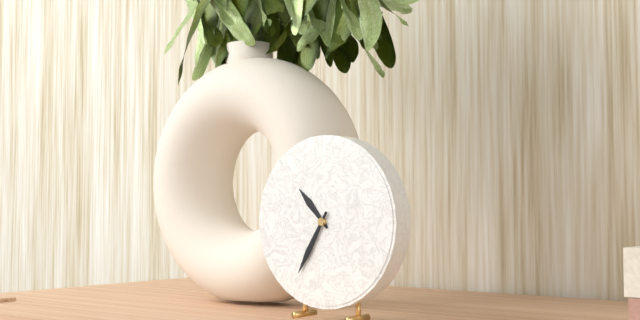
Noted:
10,35
